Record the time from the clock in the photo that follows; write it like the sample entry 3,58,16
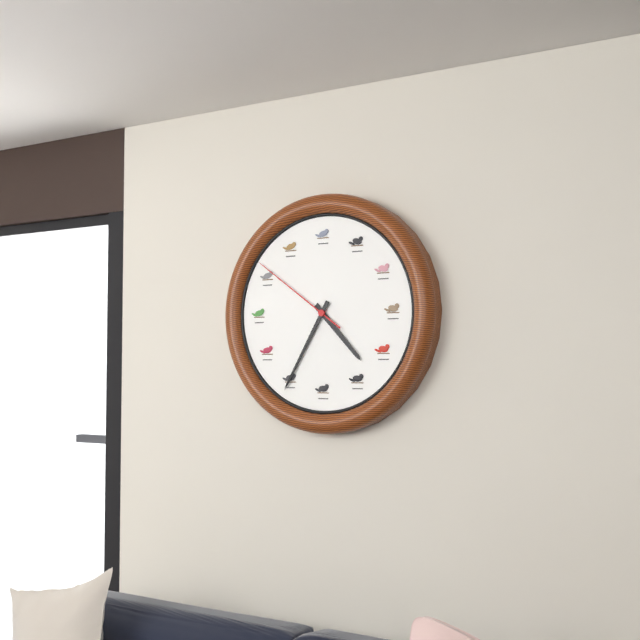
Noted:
4,35,51
